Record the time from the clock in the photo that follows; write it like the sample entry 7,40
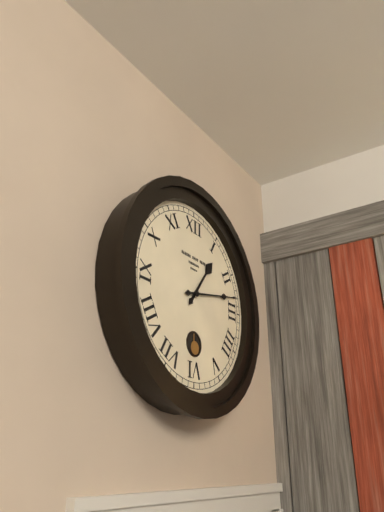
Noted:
1,13
